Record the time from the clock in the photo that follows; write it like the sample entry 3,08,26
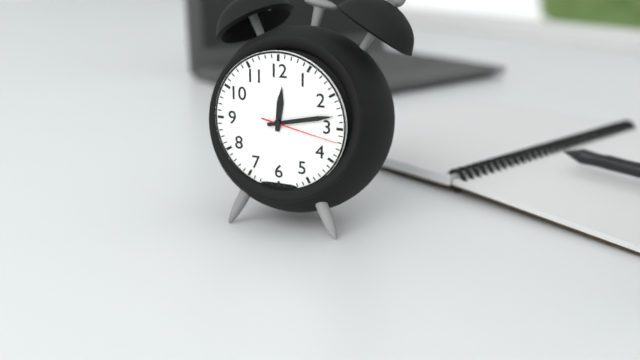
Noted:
12,13,17
